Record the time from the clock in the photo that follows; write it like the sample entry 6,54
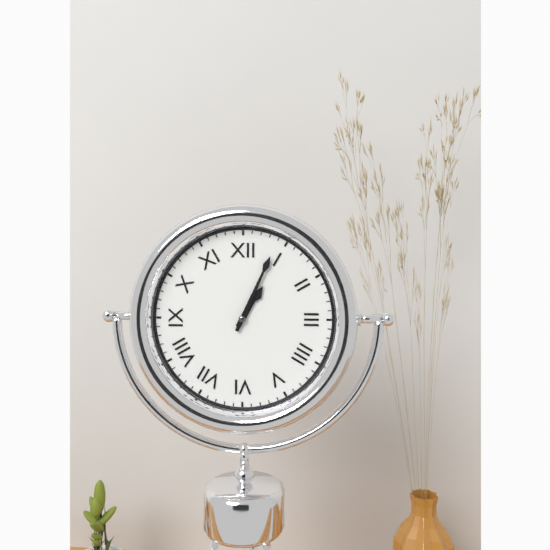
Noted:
1,04
